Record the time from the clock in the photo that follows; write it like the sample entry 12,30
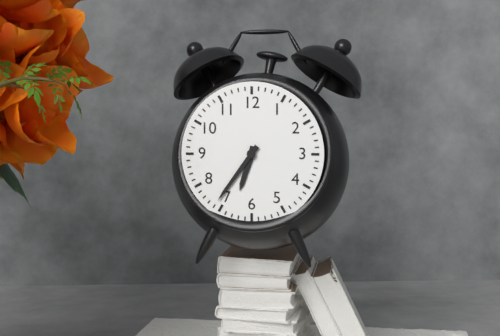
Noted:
6,36
